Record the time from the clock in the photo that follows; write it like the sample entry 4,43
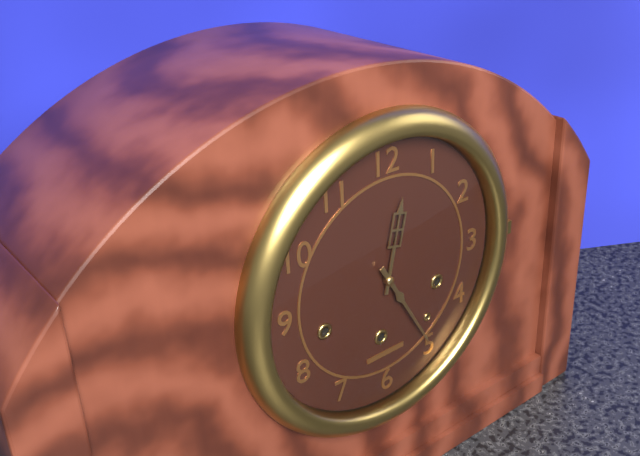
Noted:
12,25
